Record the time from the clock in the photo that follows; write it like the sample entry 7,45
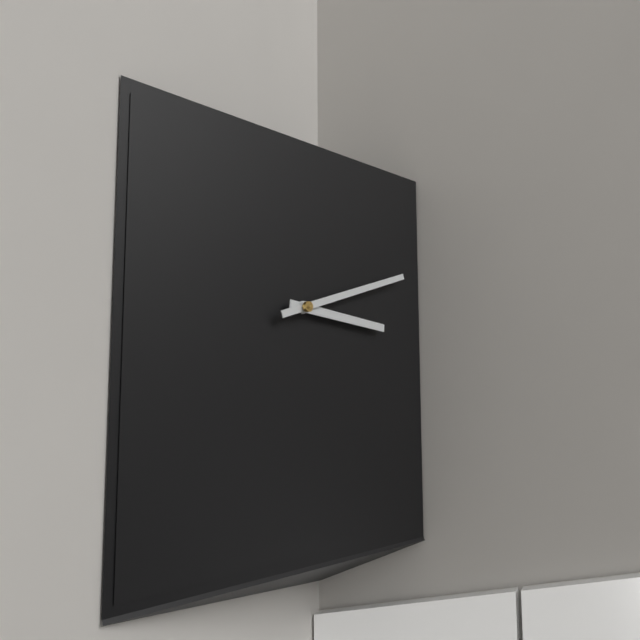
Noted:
3,12
